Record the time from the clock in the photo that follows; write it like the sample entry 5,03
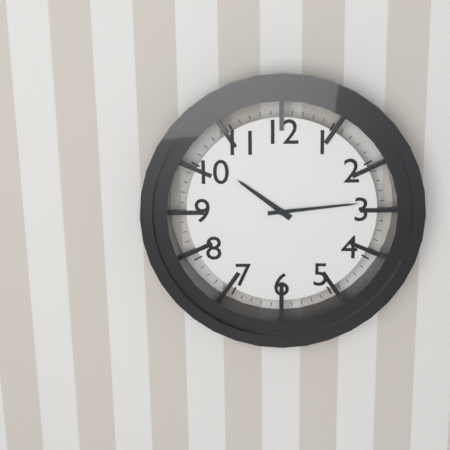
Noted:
10,14
